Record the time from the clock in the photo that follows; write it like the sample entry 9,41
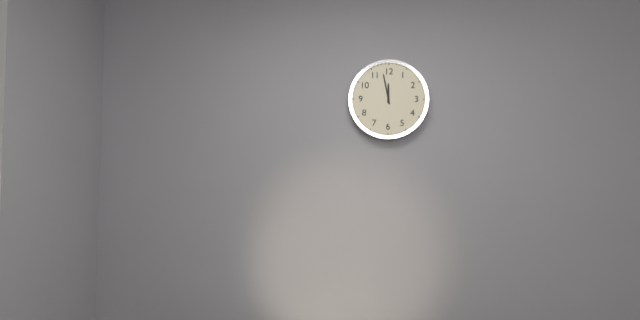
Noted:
11,58
